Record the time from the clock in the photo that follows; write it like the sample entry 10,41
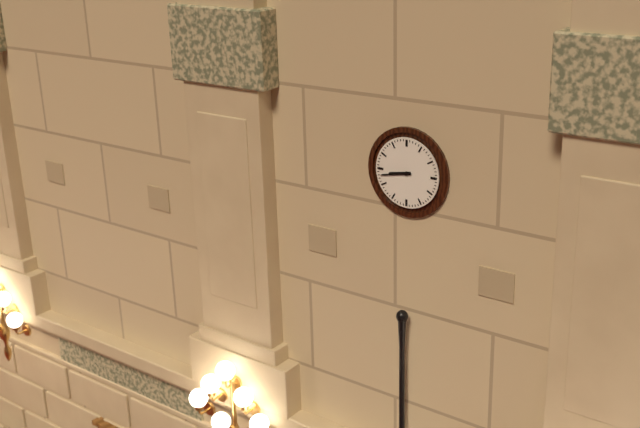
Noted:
8,43
